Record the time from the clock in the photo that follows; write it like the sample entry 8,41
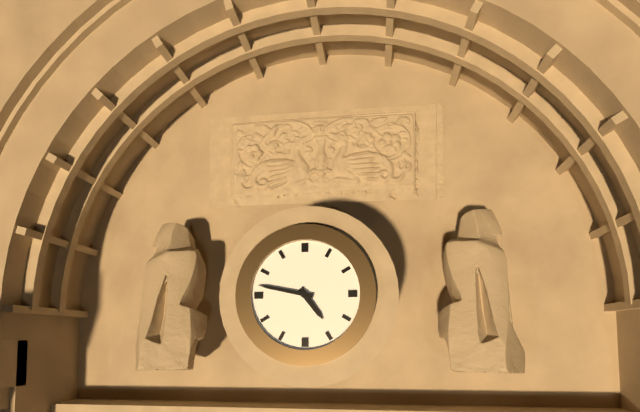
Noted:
4,47
